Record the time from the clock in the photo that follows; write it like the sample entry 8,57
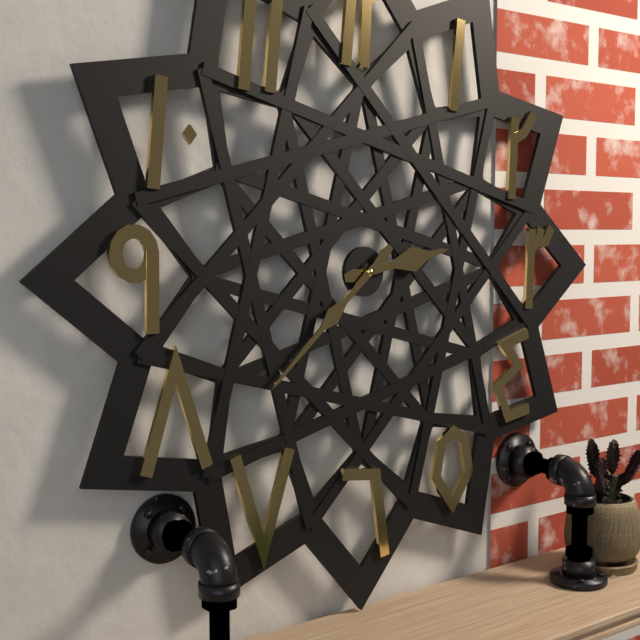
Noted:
2,38
